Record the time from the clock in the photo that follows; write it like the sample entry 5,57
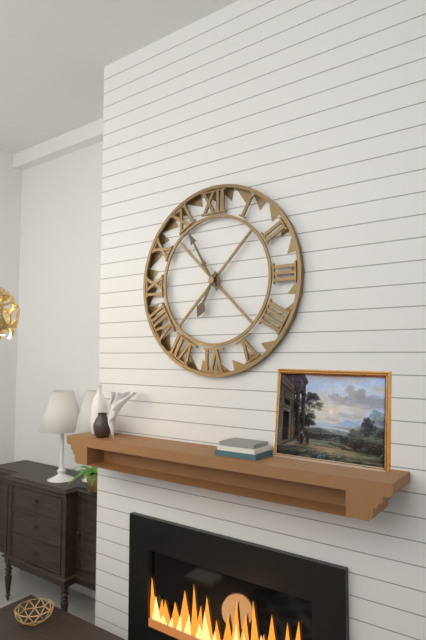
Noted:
6,55
